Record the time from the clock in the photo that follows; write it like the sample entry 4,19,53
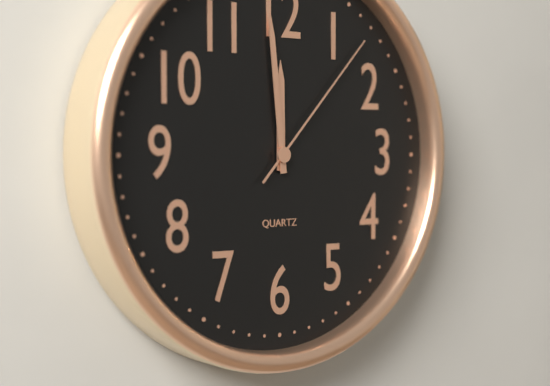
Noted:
11,59,07
